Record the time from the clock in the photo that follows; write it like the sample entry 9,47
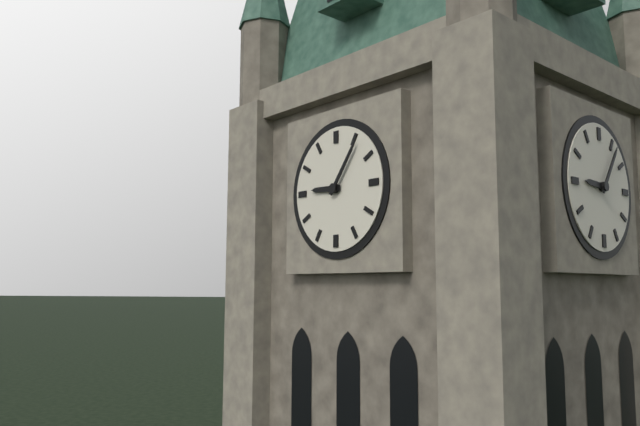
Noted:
9,06
